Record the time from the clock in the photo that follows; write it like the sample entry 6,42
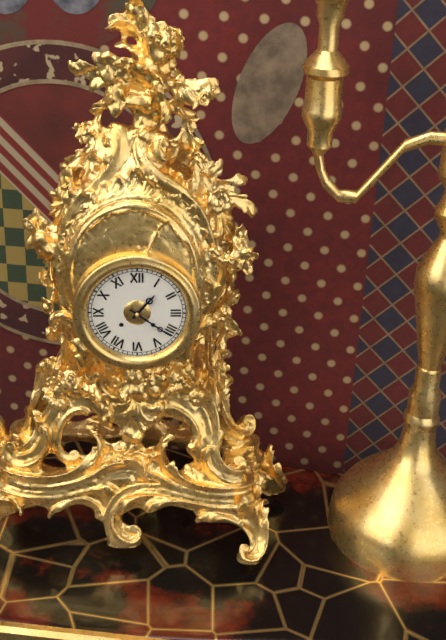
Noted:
1,21
